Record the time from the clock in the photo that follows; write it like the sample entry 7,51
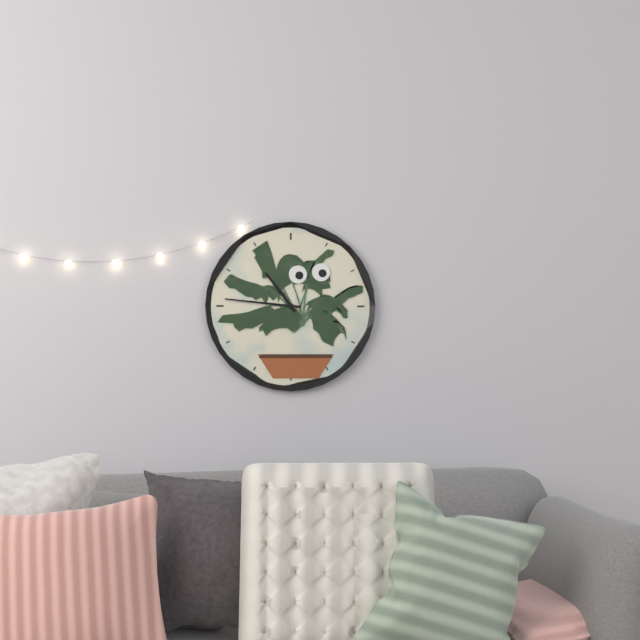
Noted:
10,46
